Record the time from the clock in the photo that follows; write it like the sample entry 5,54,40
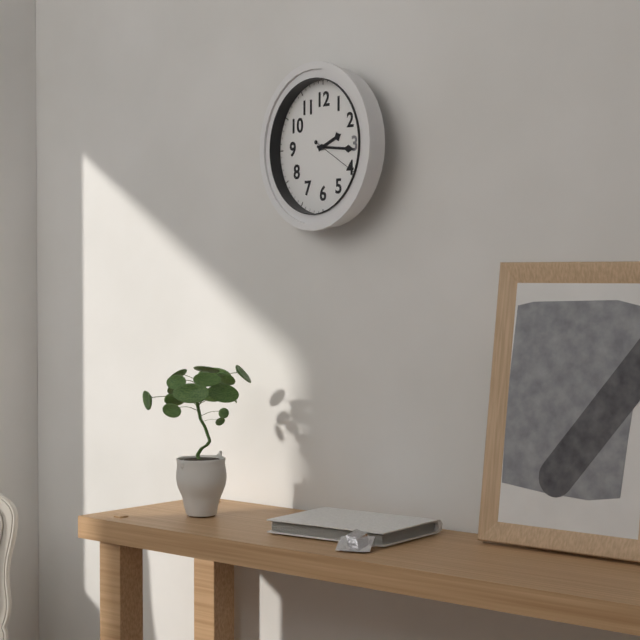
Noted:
2,16,20
